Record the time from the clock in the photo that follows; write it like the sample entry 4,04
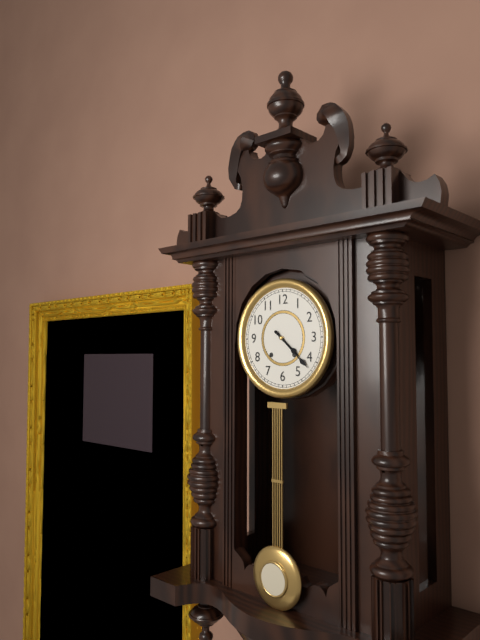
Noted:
4,22
